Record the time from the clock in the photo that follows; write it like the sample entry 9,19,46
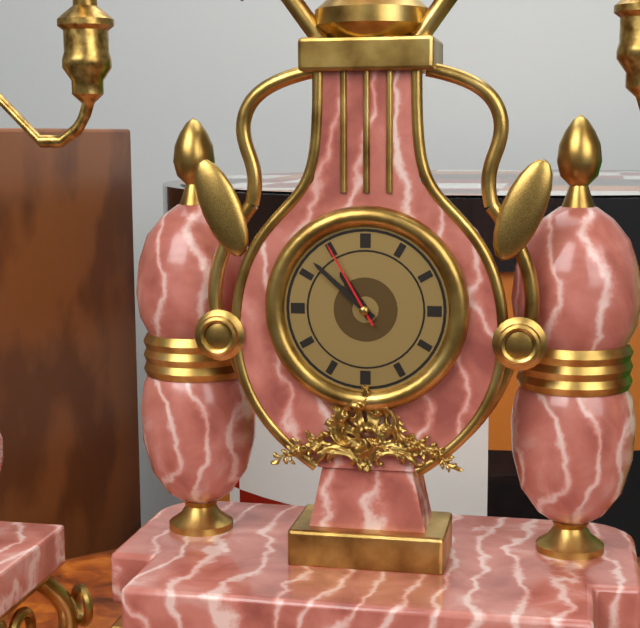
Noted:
10,52,55
